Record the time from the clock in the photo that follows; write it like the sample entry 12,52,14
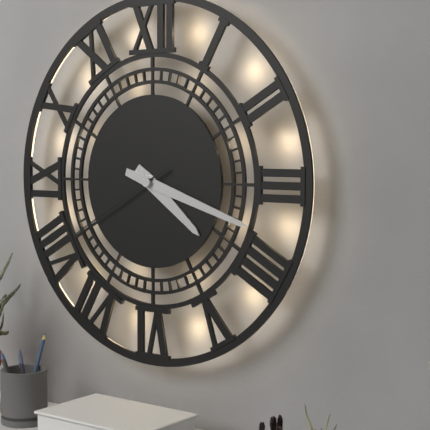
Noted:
4,18,40
